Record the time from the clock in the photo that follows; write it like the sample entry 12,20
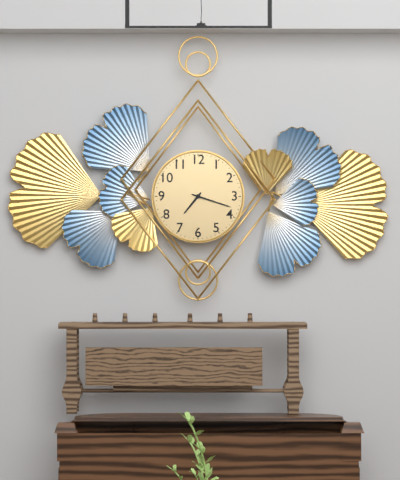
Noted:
7,18
